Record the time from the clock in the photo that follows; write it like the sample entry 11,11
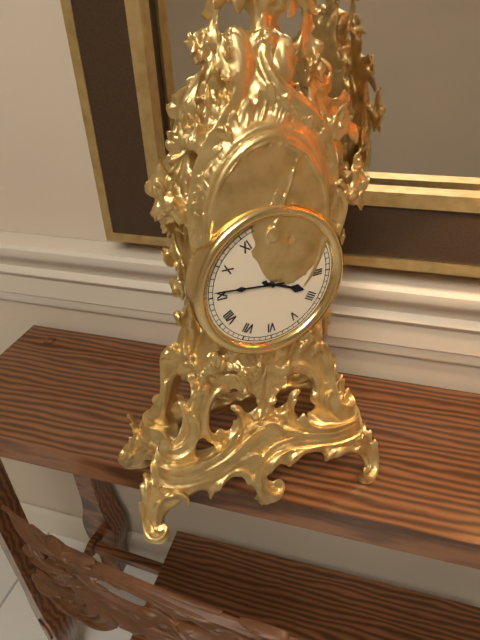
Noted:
3,46
